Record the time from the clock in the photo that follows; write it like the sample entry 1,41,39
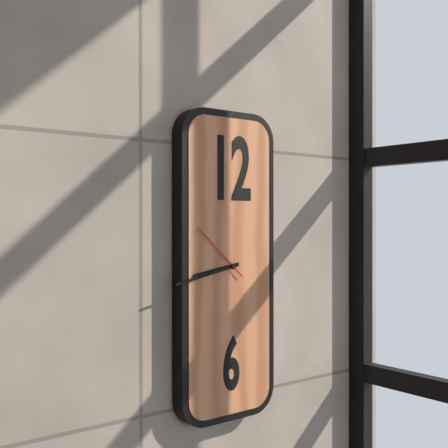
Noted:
8,43,52
